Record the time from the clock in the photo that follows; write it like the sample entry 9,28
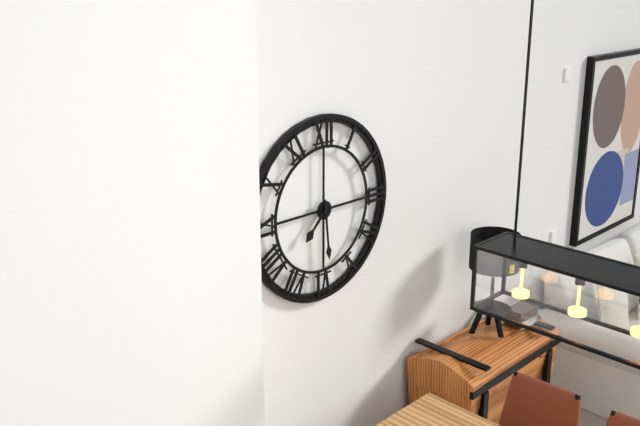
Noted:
7,29
